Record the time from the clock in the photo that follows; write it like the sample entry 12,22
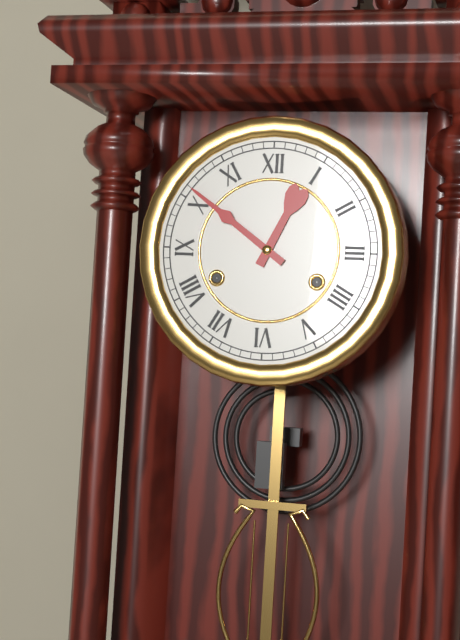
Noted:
12,51
